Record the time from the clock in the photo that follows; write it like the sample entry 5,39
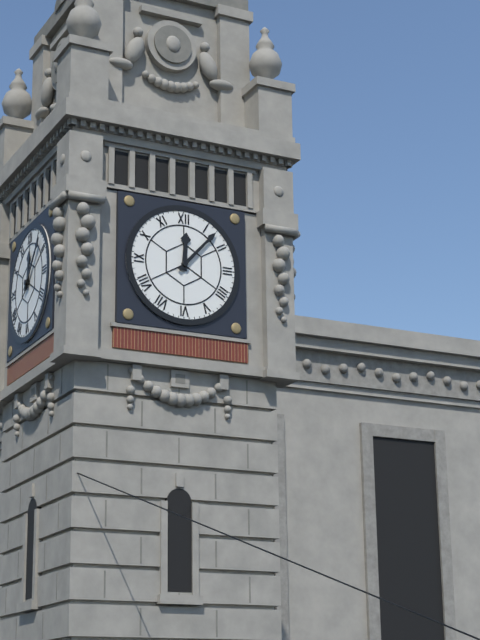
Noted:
12,07
